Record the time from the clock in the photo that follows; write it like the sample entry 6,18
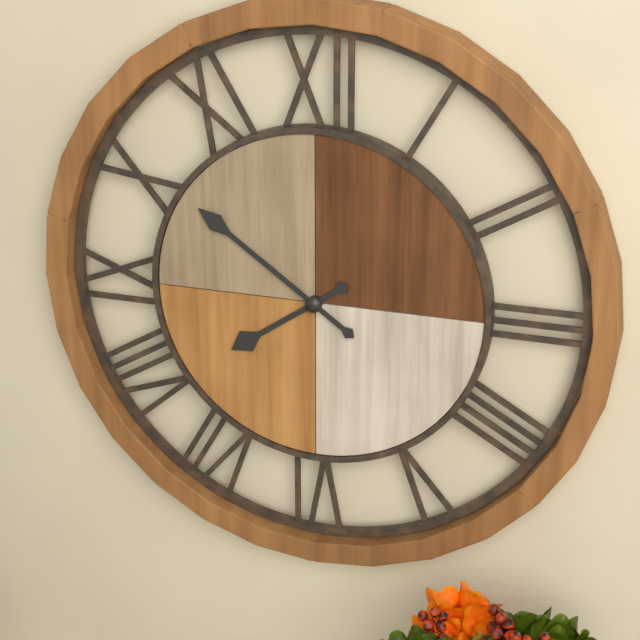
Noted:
7,51
